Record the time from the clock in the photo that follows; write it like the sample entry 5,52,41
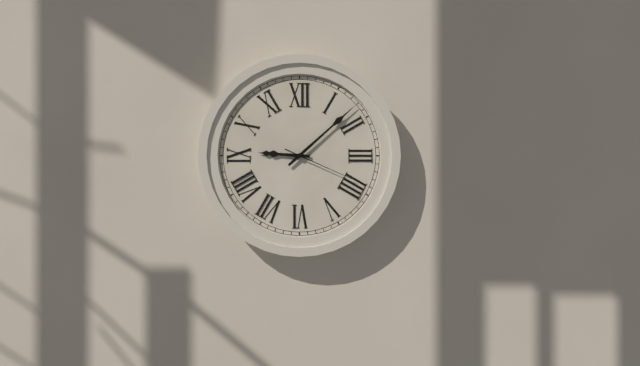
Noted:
9,08,19
